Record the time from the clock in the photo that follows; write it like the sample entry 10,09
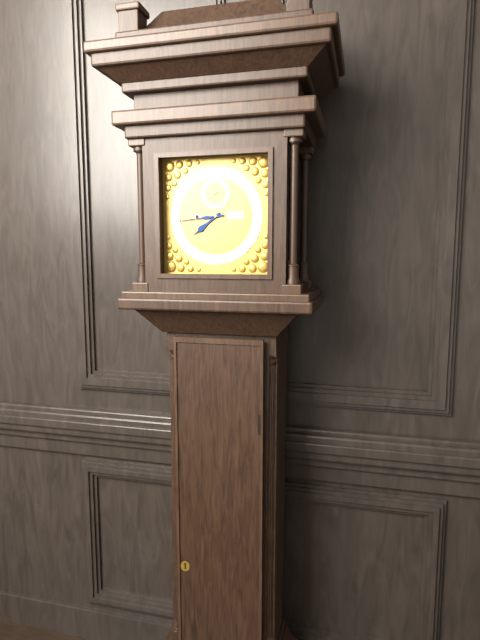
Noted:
7,44
